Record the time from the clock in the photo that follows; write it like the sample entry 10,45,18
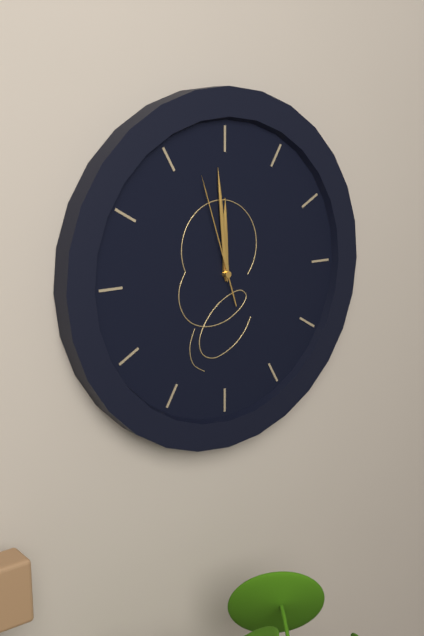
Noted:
11,59,57
